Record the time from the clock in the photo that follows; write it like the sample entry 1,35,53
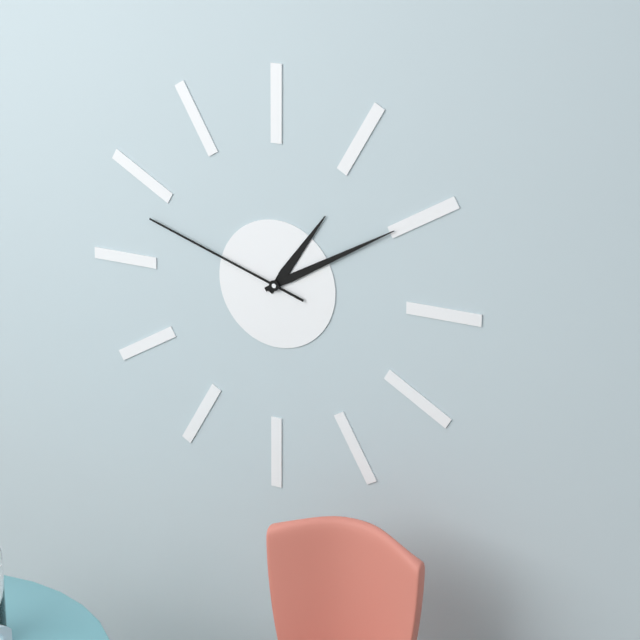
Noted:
1,10,48
